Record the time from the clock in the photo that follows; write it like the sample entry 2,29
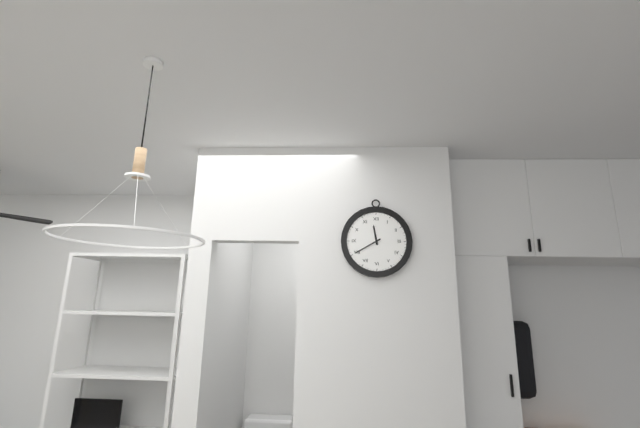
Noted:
11,40
